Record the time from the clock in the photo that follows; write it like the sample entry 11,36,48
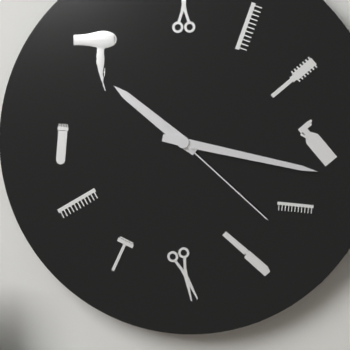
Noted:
10,17,22
